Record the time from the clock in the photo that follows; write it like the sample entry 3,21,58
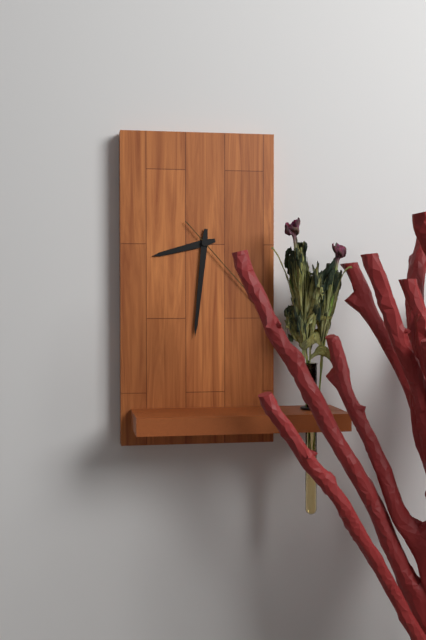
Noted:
8,31,23
